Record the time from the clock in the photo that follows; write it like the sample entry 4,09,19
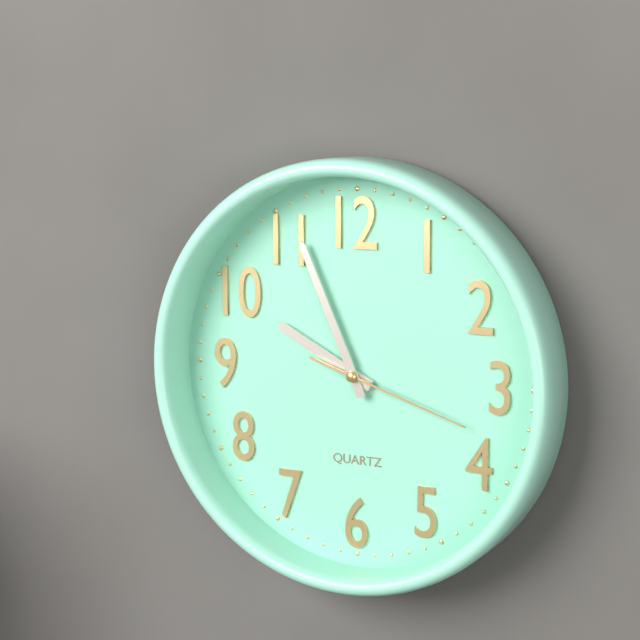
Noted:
9,56,18
